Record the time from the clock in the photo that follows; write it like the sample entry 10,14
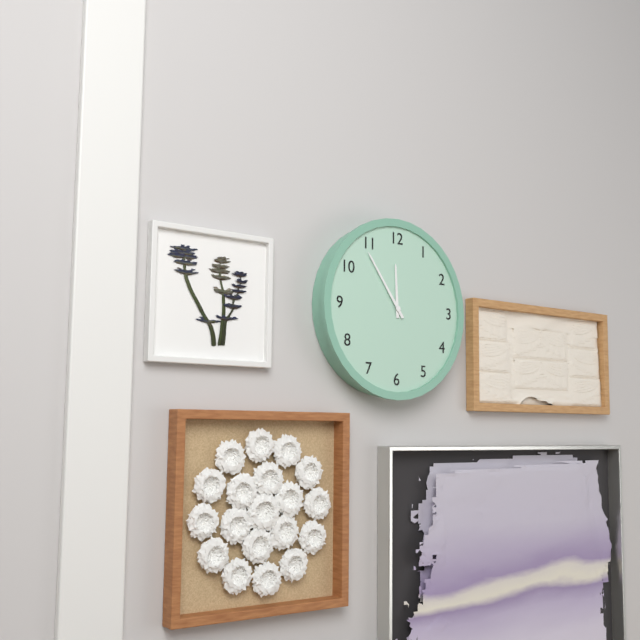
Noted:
11,54
